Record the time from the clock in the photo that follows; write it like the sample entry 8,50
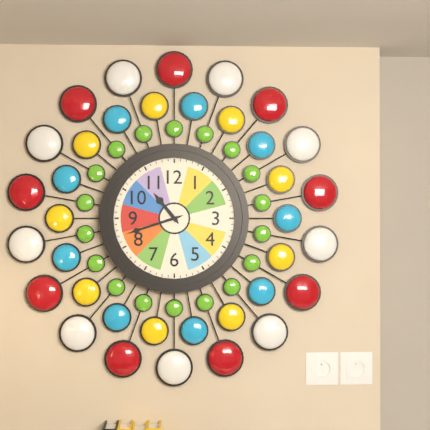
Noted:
10,42
